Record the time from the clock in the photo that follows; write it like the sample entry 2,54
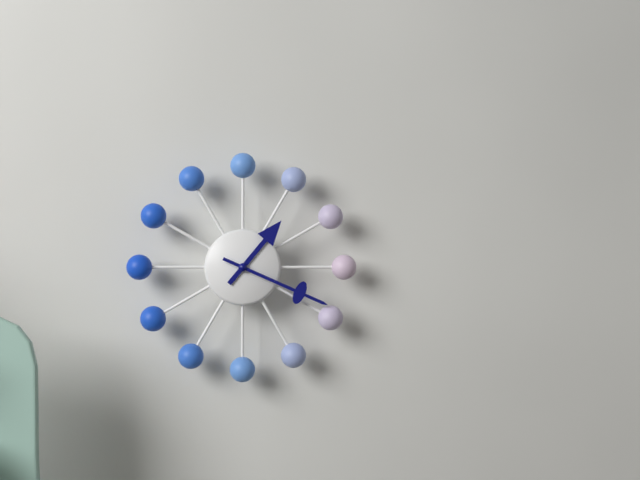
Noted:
1,19
